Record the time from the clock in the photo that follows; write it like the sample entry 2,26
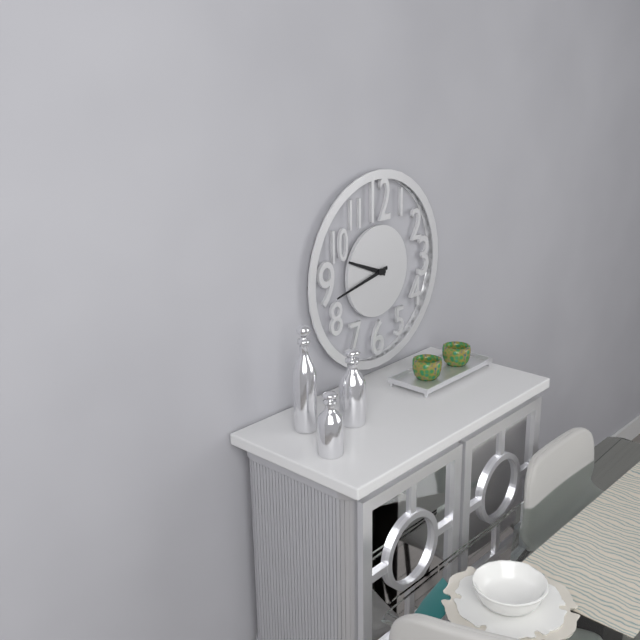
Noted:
9,43
